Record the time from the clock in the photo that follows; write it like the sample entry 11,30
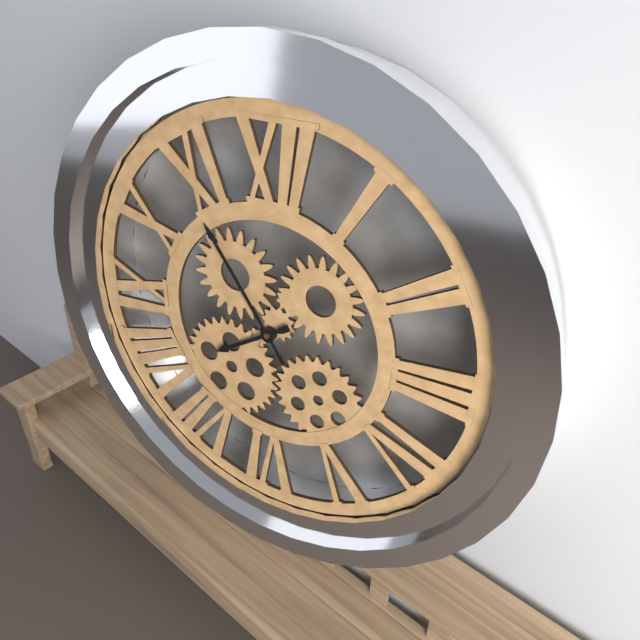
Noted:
7,54
